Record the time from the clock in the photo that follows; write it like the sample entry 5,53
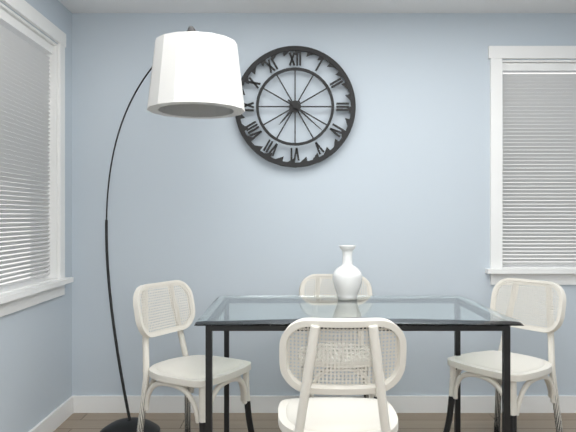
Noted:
7,22
